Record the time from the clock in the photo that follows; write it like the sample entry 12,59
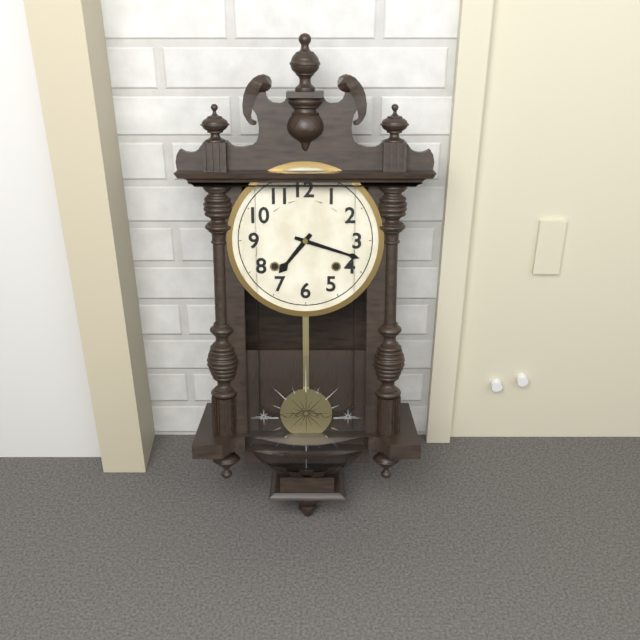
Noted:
7,18
